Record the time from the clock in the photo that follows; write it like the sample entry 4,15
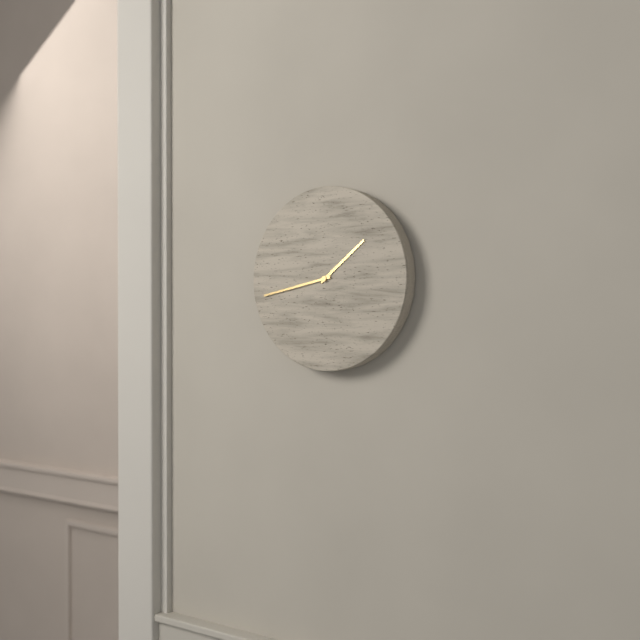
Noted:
1,43
